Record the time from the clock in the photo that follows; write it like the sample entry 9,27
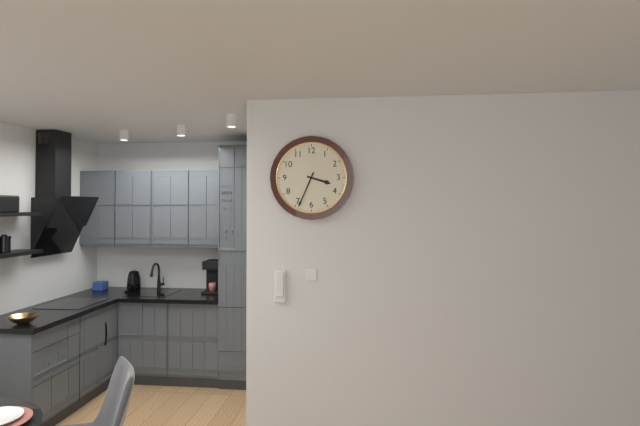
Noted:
3,34
